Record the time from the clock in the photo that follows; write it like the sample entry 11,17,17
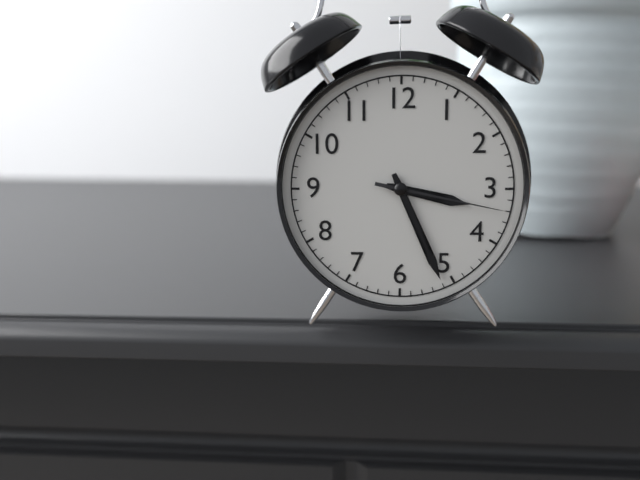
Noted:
3,26,17
